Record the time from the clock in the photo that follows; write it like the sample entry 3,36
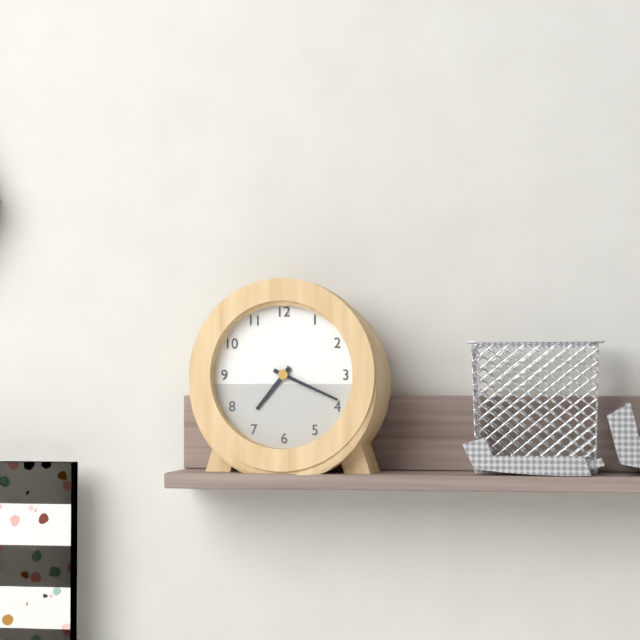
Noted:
7,19
